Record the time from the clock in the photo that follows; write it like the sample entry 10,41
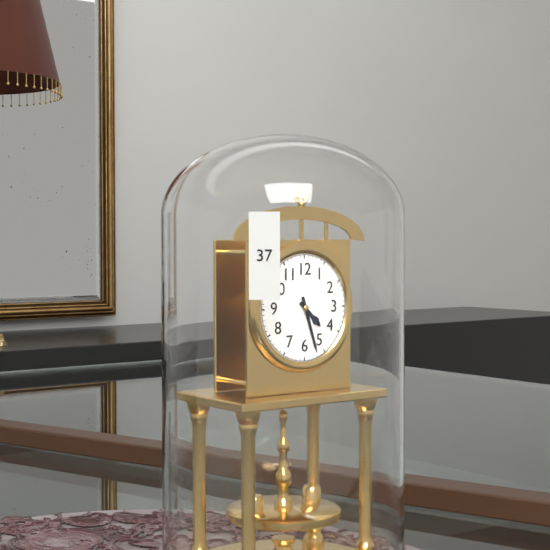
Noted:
4,27
